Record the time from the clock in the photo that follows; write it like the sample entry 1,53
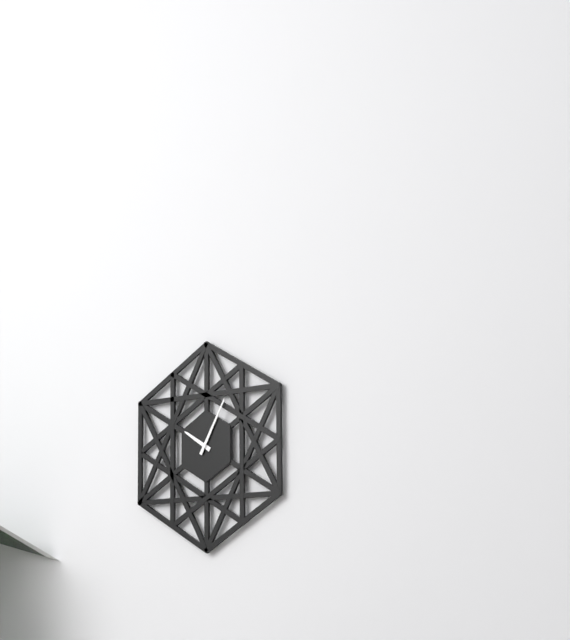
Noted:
10,05
